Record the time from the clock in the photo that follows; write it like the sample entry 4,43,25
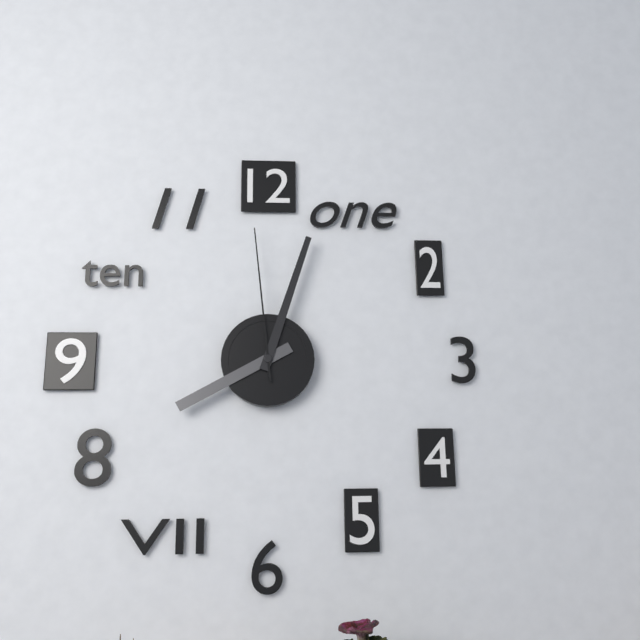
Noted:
8,03,59
